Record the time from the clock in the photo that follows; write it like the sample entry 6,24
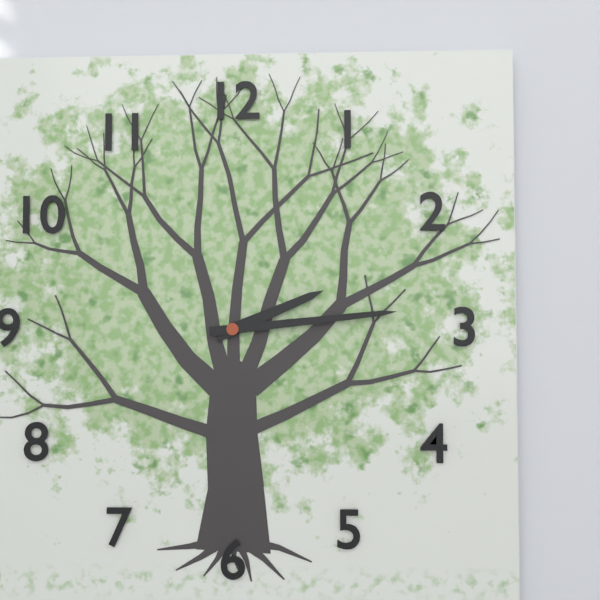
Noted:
2,14
